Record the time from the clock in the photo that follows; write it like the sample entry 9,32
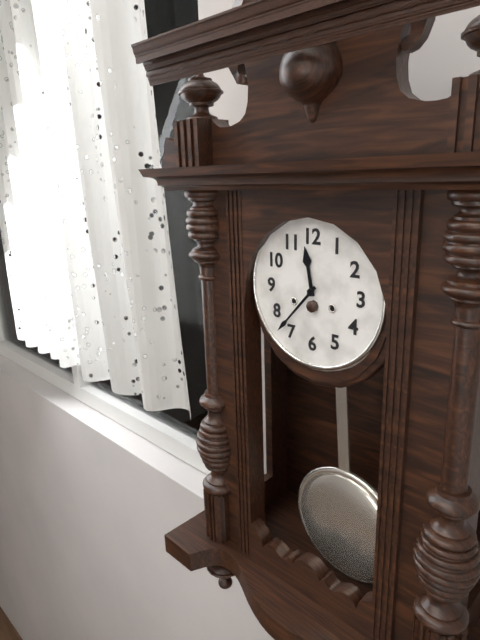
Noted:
11,37
